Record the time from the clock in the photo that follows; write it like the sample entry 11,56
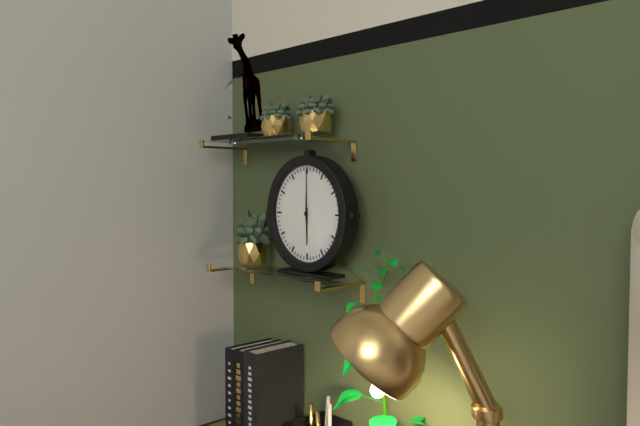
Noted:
6,00
